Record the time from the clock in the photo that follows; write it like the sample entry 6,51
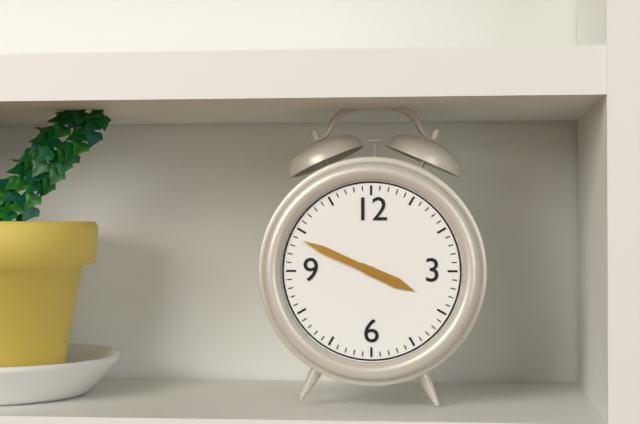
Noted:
3,49
